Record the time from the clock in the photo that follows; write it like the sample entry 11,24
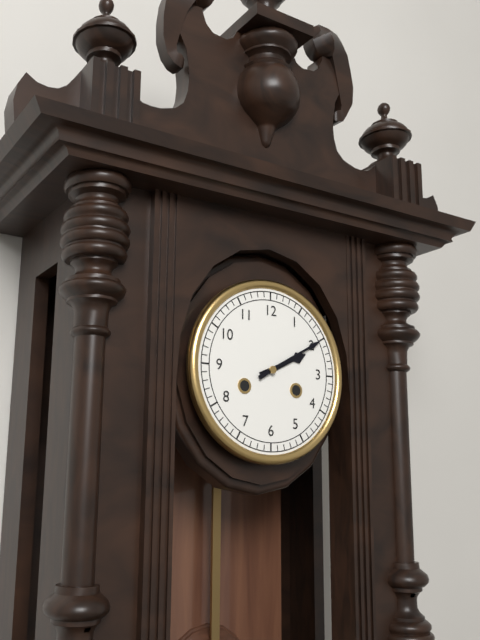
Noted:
2,10
